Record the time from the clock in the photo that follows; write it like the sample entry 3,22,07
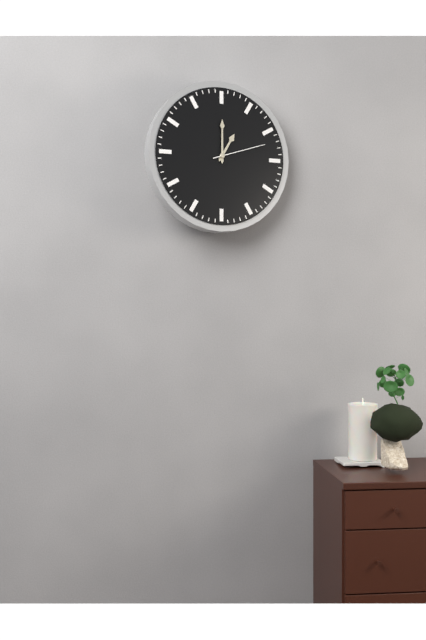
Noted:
1,00,12
